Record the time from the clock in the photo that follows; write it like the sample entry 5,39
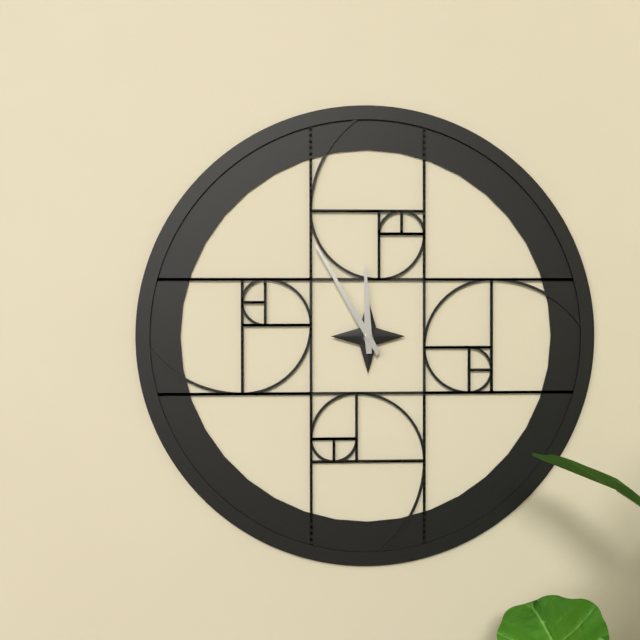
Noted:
11,55
